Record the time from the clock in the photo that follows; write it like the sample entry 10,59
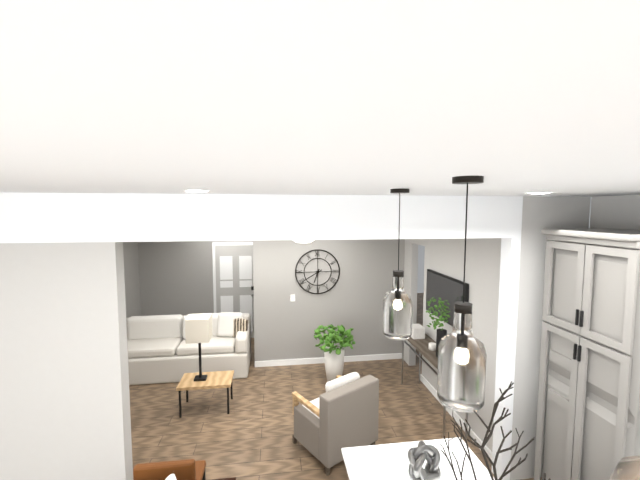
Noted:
6,40
